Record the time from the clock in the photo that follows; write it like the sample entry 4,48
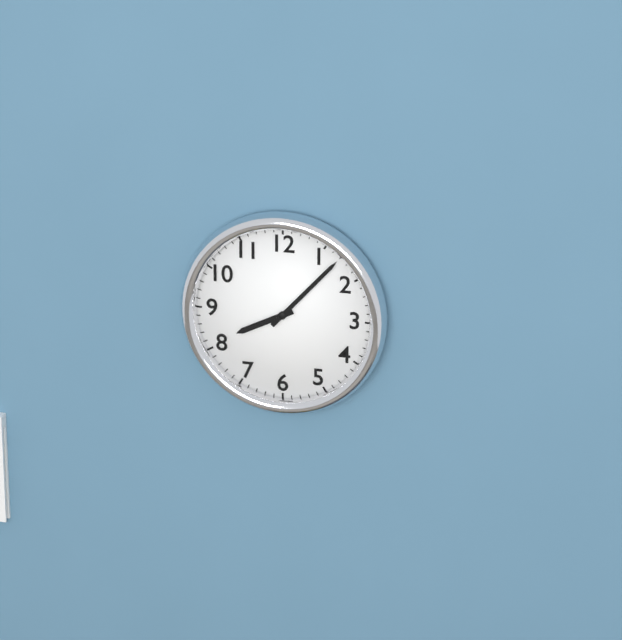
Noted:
8,07
